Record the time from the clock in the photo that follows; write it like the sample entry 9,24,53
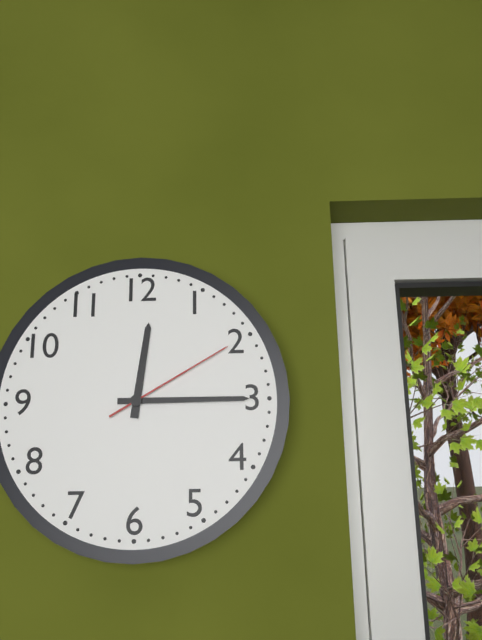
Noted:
12,15,10
